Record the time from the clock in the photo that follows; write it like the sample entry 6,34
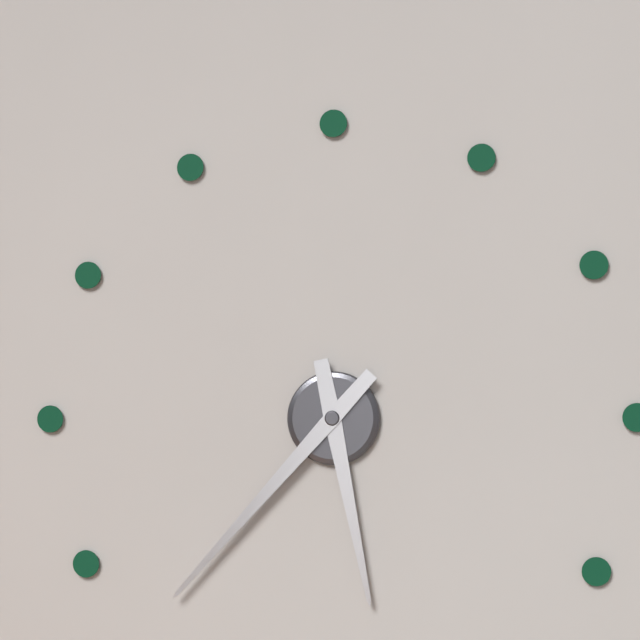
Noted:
5,37
